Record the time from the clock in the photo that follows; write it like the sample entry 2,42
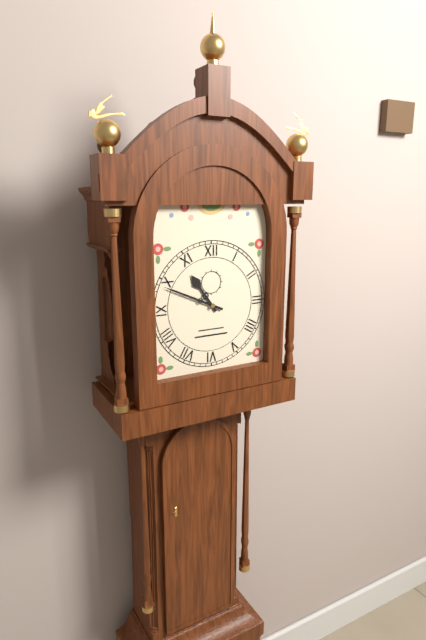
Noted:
10,49
